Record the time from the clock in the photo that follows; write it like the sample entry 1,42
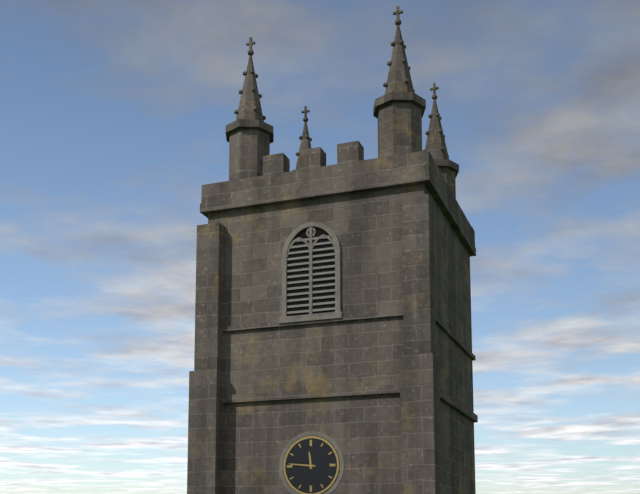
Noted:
11,46
